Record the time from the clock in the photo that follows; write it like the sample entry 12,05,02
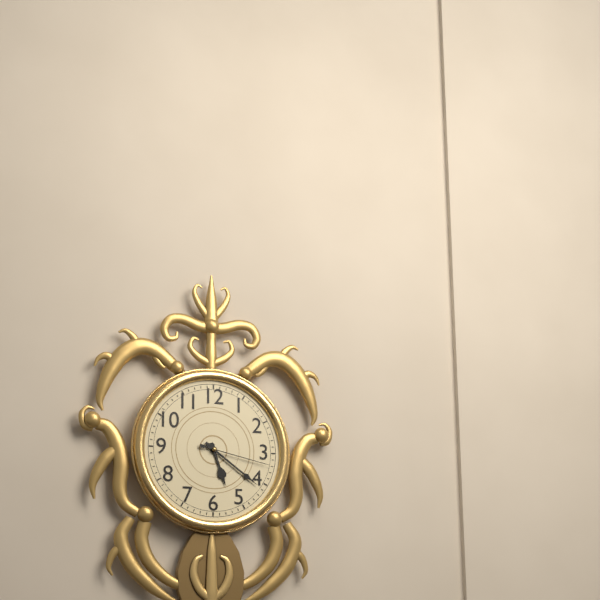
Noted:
5,21,17
